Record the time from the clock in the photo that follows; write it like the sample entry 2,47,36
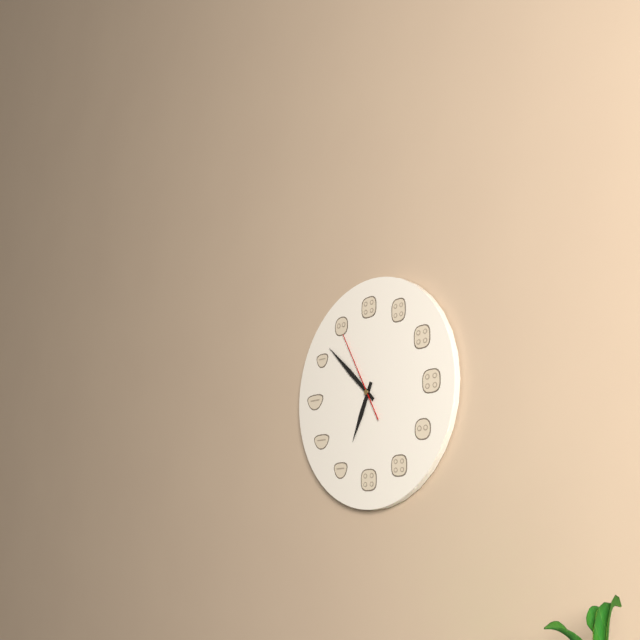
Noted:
6,52,55
